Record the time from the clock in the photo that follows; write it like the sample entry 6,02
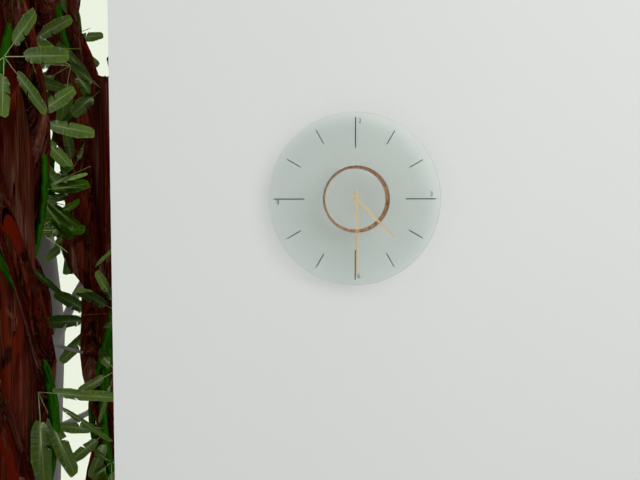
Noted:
4,30
